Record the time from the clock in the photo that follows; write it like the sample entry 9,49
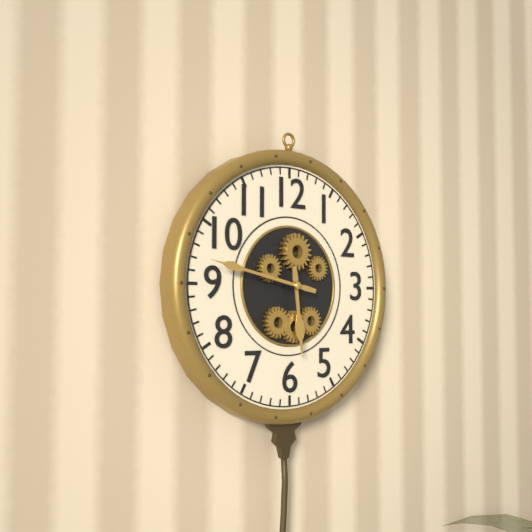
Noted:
5,47
